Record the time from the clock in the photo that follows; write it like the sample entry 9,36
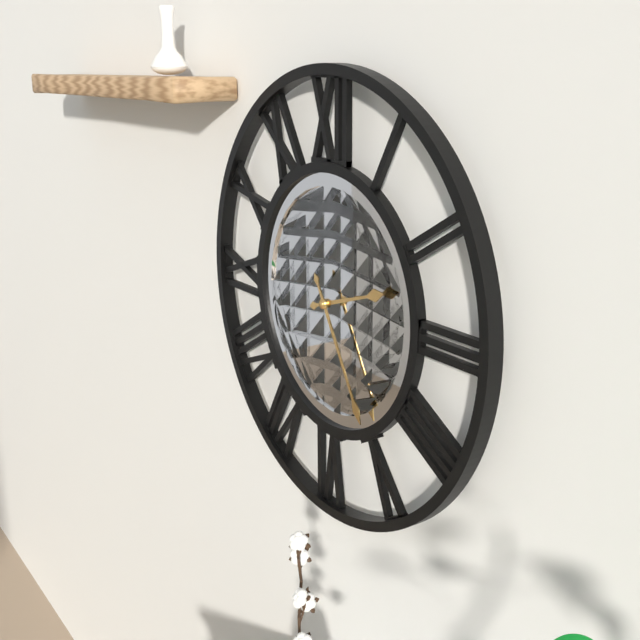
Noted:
2,25
